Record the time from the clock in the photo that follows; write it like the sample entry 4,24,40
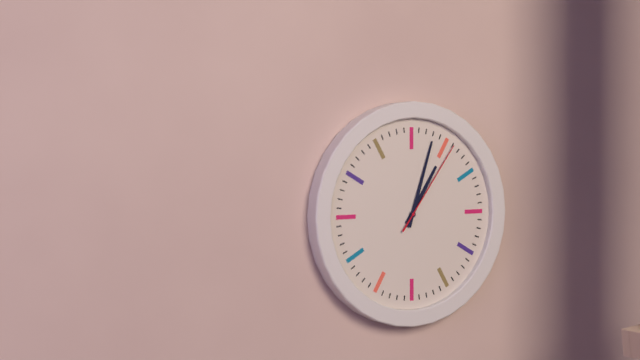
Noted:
1,03,06
